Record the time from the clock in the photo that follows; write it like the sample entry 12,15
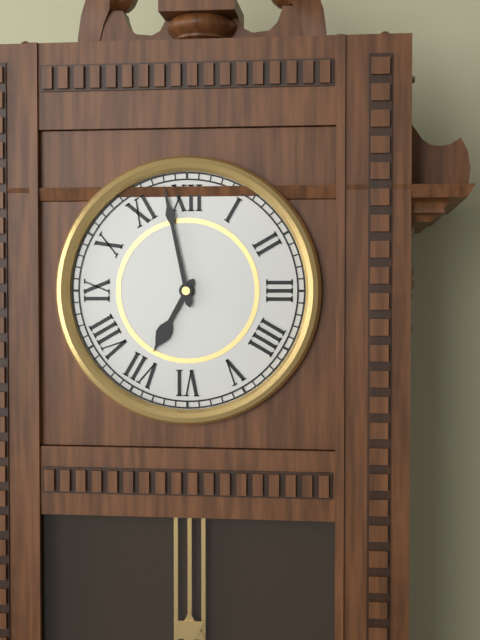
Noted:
6,58
